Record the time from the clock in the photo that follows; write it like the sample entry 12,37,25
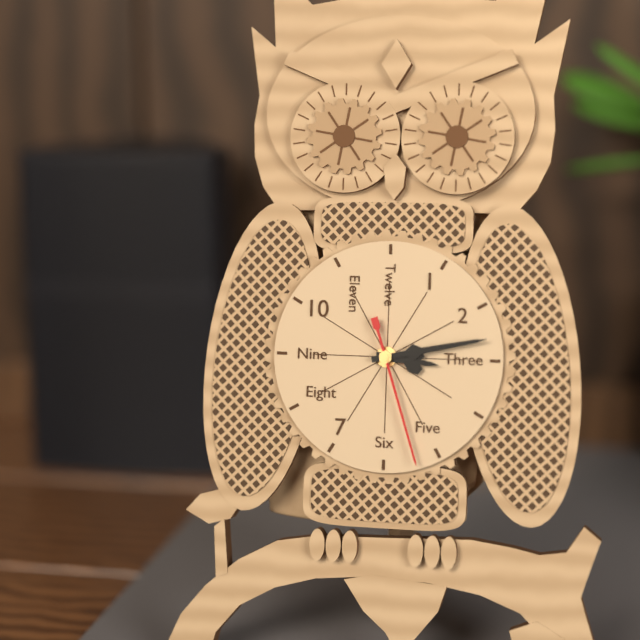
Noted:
3,13,27
